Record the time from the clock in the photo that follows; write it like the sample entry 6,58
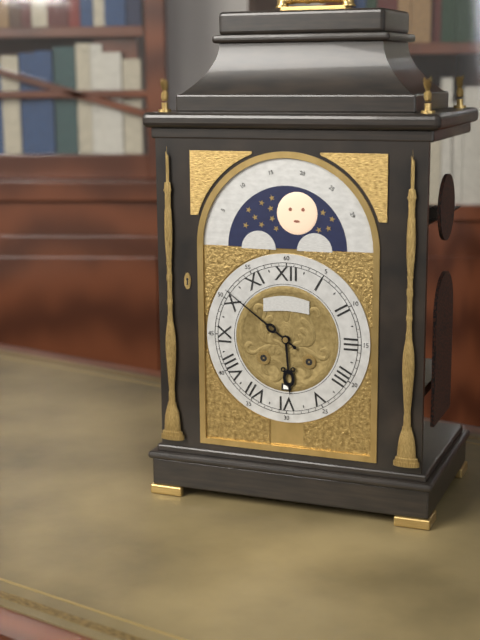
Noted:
5,51
